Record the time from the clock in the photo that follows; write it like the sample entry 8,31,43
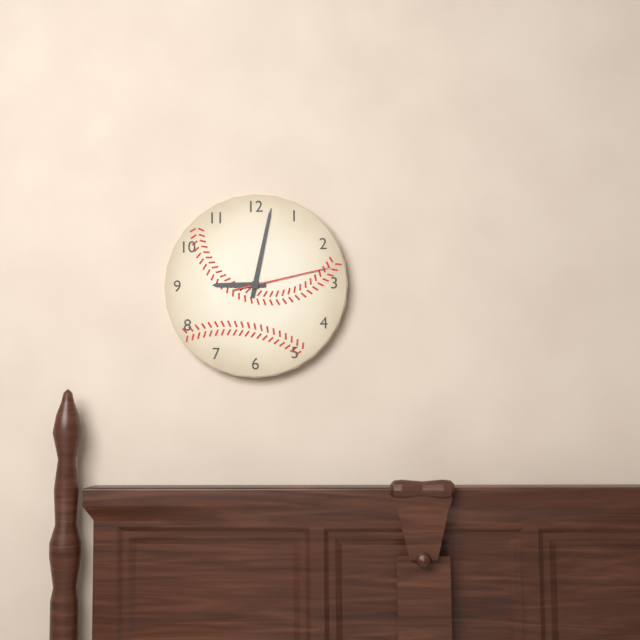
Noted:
9,02,13
